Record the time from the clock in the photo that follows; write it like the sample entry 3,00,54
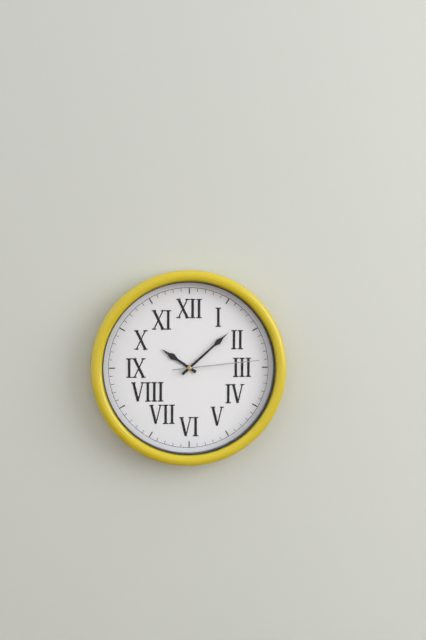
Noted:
10,08,14
